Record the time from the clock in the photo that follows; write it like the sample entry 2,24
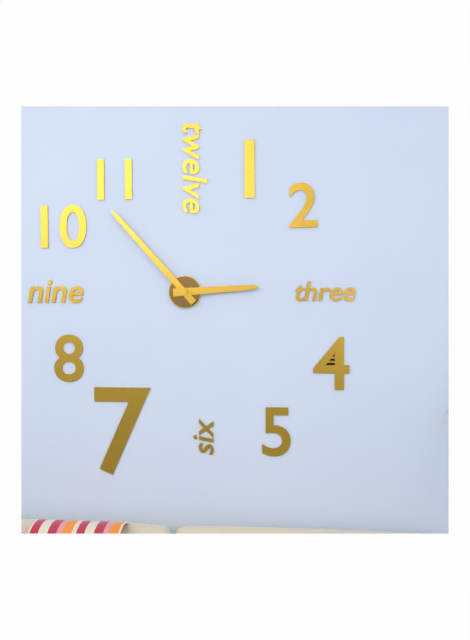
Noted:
2,53
